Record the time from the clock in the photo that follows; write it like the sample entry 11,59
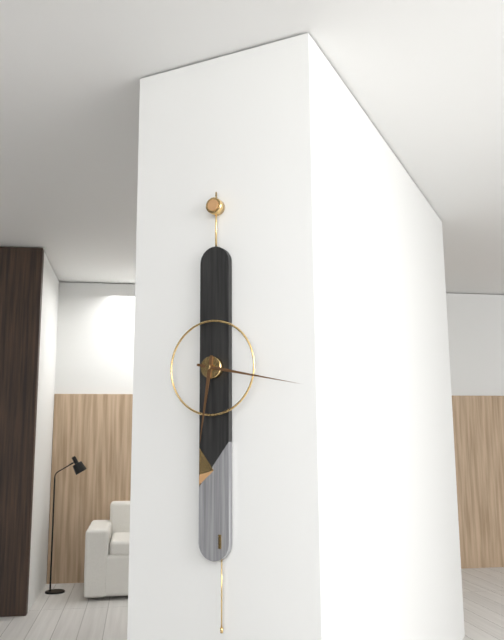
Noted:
6,17
